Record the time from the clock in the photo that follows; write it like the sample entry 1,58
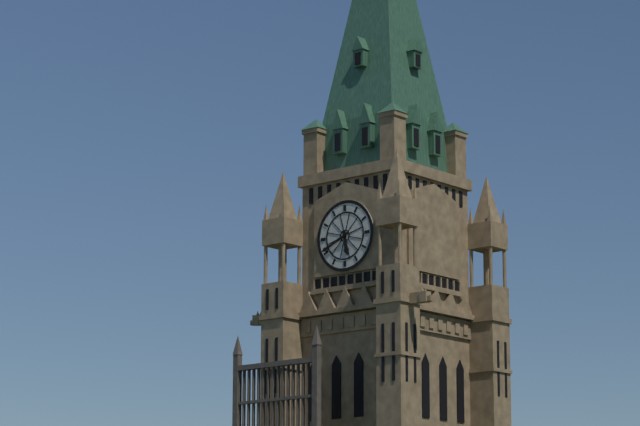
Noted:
5,41
